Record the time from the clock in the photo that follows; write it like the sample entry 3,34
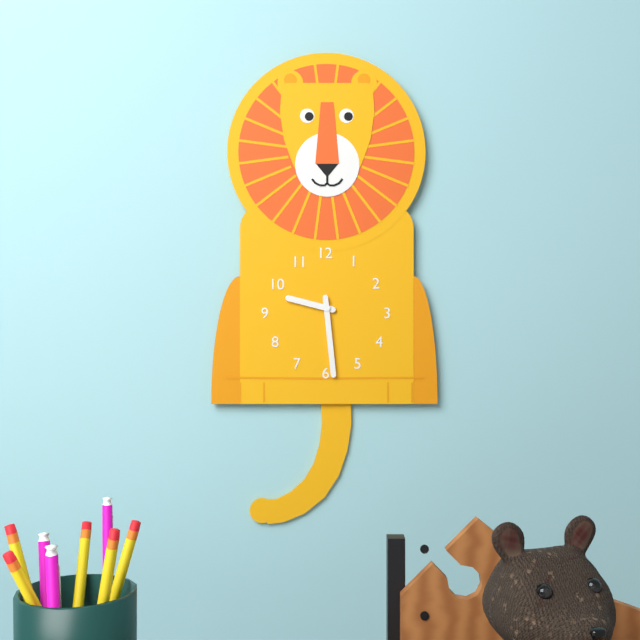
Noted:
9,29
